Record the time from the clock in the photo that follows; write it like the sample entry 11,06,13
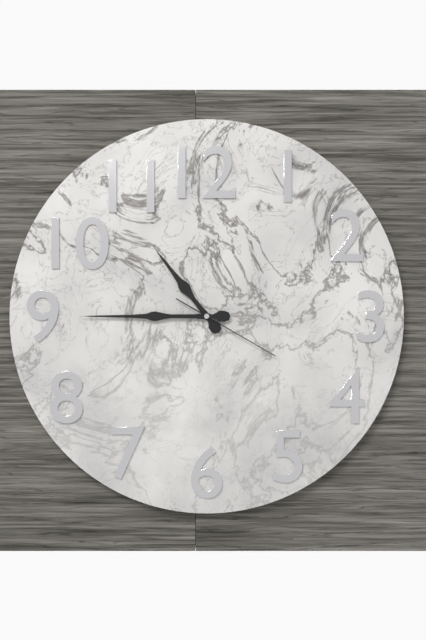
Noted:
10,45,20
